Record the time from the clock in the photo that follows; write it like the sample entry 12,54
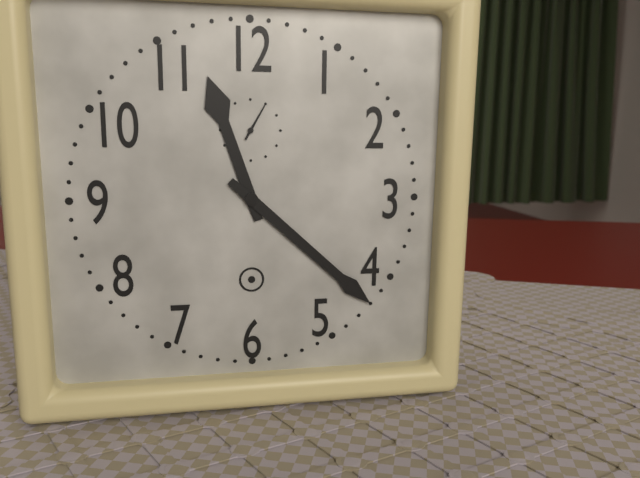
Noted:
11,22
